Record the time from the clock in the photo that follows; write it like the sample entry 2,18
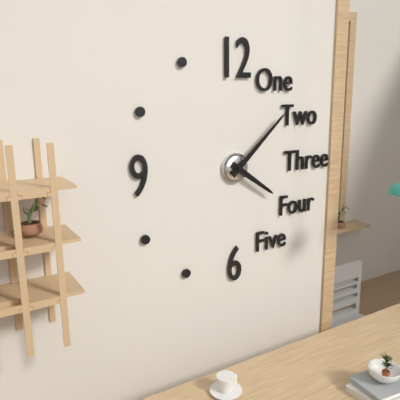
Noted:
4,08
